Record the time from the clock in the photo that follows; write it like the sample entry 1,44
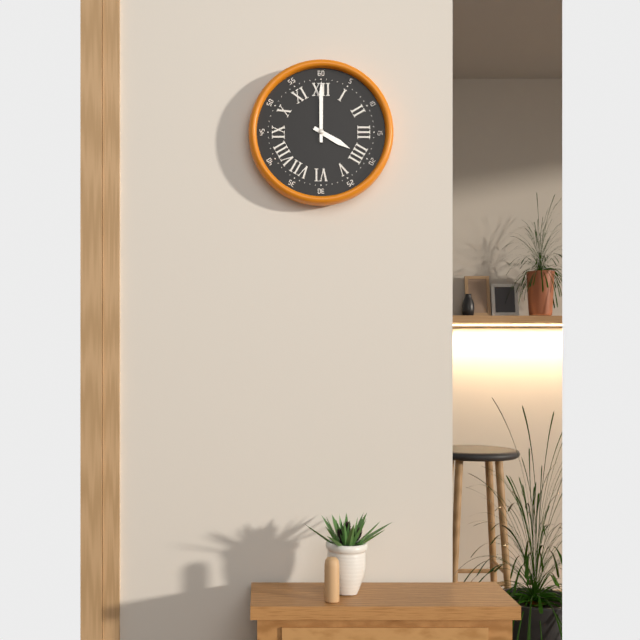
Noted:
4,00
